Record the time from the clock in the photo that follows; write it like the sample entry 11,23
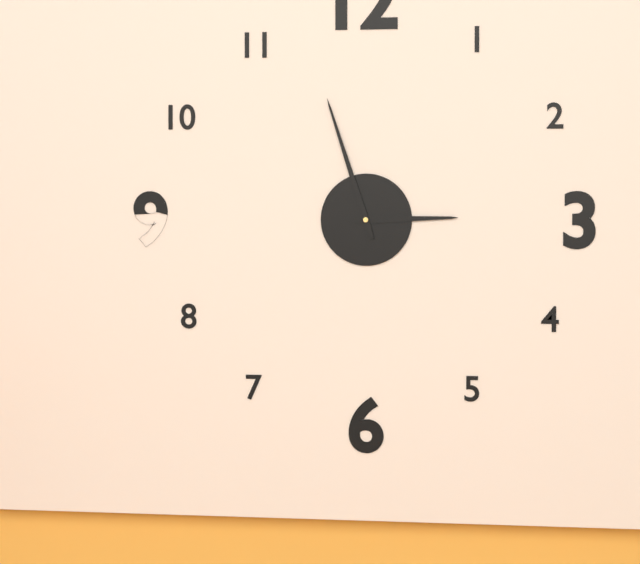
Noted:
2,57
